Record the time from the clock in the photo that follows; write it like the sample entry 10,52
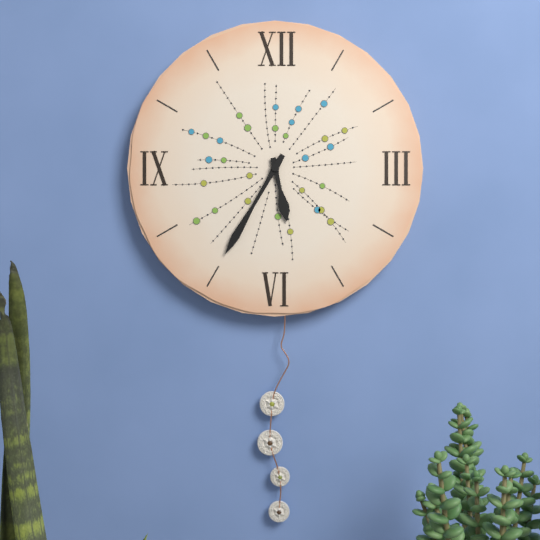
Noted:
5,35
